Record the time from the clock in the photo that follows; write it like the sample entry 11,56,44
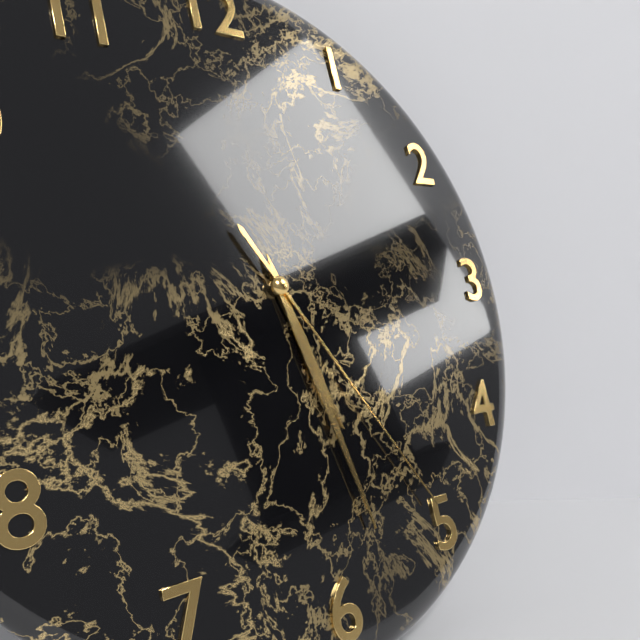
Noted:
5,28,25
